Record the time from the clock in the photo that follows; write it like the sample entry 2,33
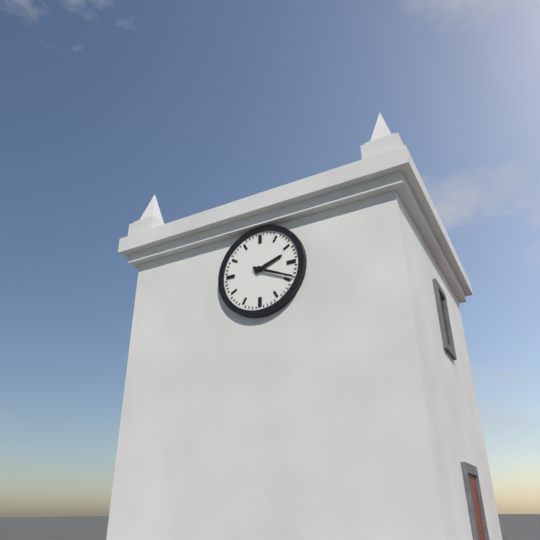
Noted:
2,19
